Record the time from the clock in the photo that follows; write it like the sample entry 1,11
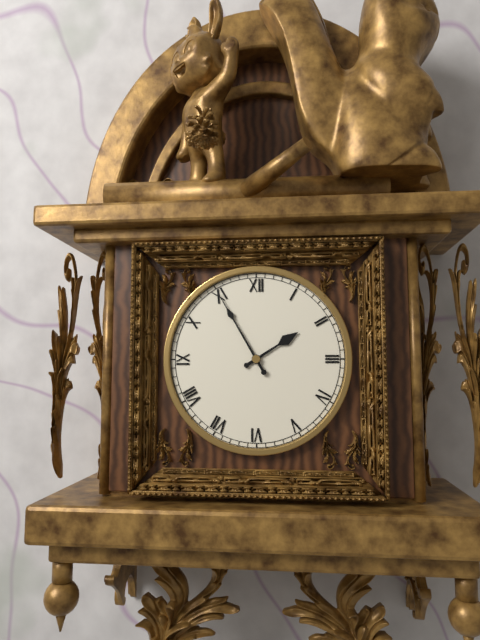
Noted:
1,55
